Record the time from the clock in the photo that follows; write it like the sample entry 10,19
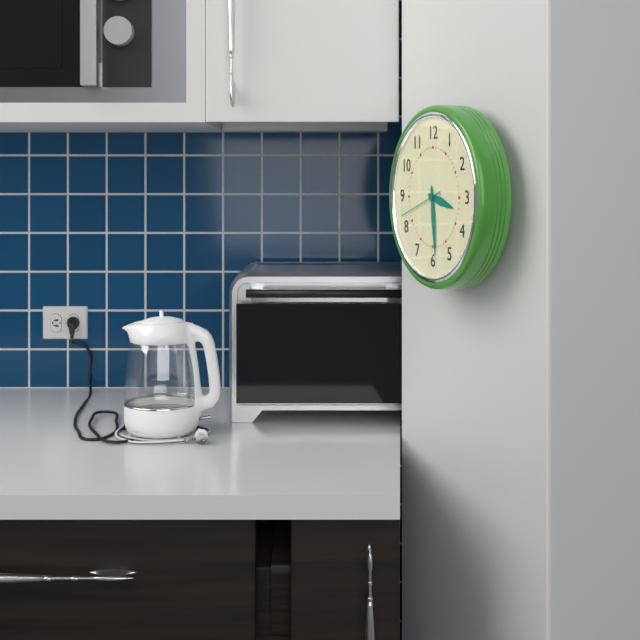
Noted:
3,29
